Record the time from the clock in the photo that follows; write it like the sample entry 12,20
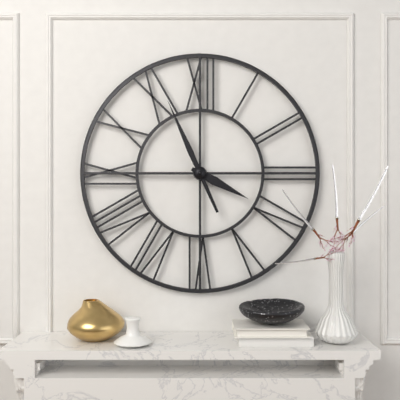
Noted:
3,56
